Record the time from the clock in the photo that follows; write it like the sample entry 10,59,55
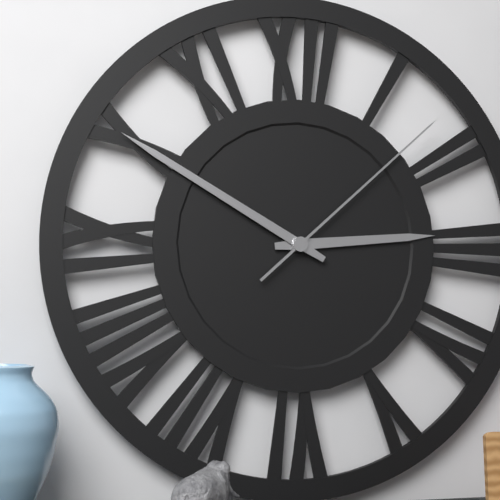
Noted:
2,50,08
